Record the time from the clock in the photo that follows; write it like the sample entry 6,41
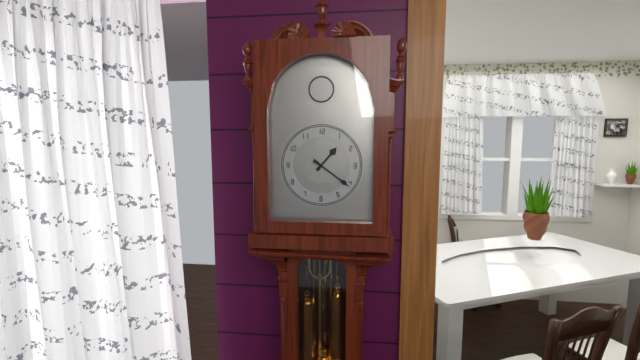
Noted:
1,21
